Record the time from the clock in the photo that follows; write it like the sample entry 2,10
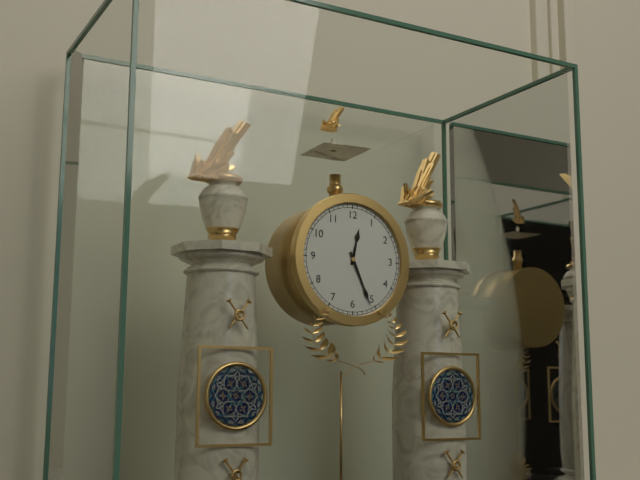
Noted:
12,26
